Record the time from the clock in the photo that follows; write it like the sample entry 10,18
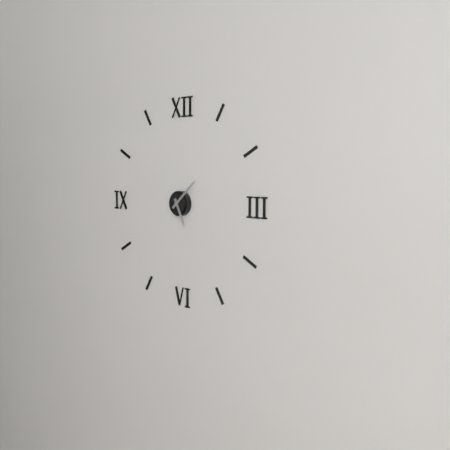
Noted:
5,08
